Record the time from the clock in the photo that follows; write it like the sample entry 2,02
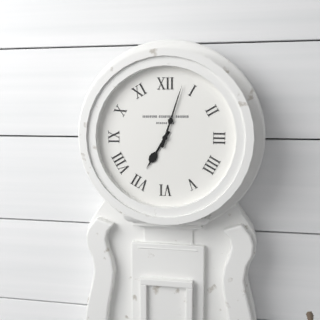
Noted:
7,03
